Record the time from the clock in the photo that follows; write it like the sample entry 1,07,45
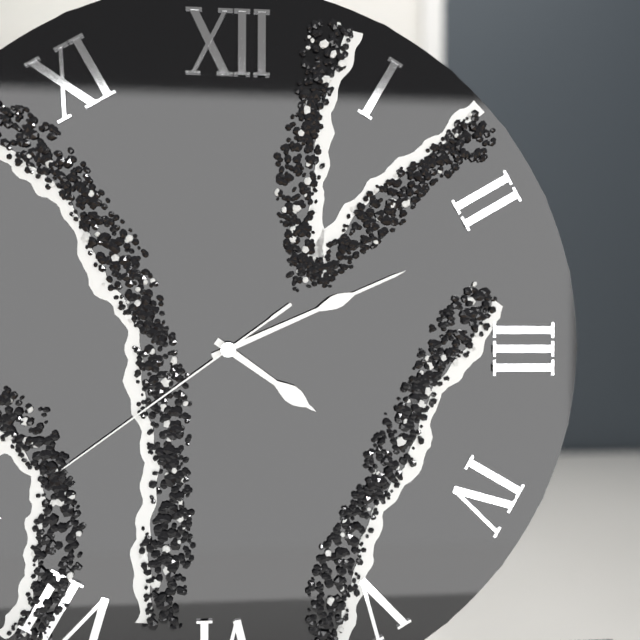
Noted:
4,11,39
